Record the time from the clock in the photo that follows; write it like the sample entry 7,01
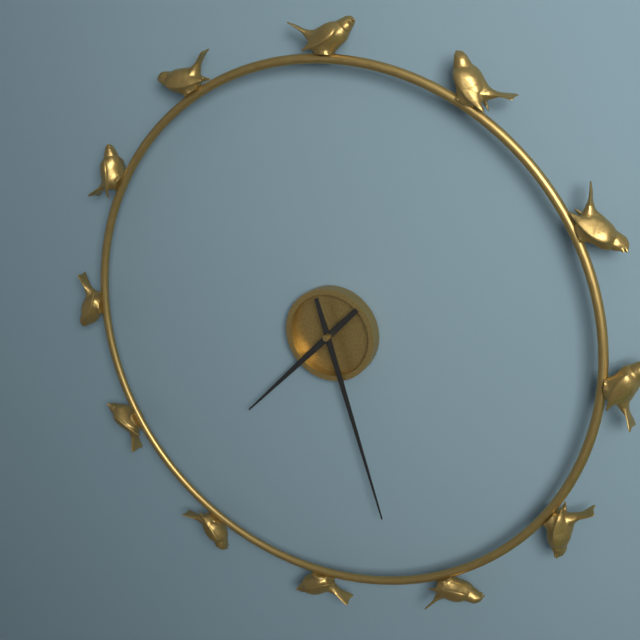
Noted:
7,27
